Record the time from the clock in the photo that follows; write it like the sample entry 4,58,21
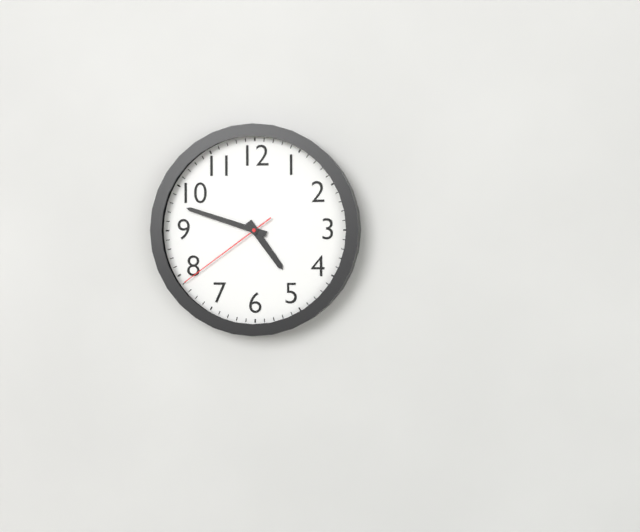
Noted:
4,48,39
